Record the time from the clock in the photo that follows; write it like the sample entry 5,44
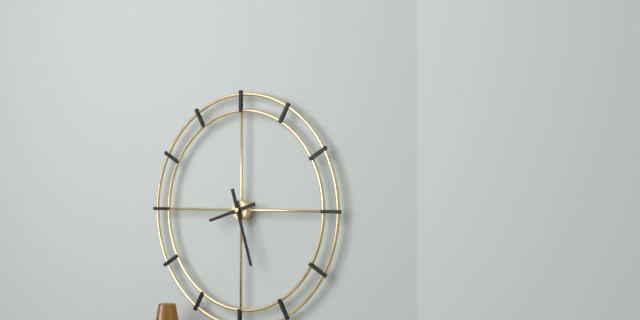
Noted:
8,27
